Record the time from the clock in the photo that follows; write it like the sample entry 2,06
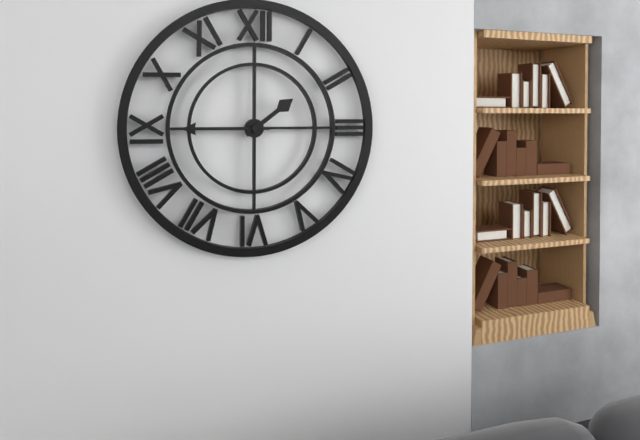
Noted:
1,45
